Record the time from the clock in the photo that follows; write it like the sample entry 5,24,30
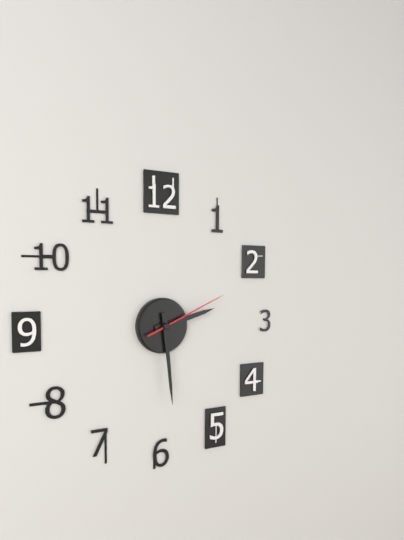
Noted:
2,29,11
